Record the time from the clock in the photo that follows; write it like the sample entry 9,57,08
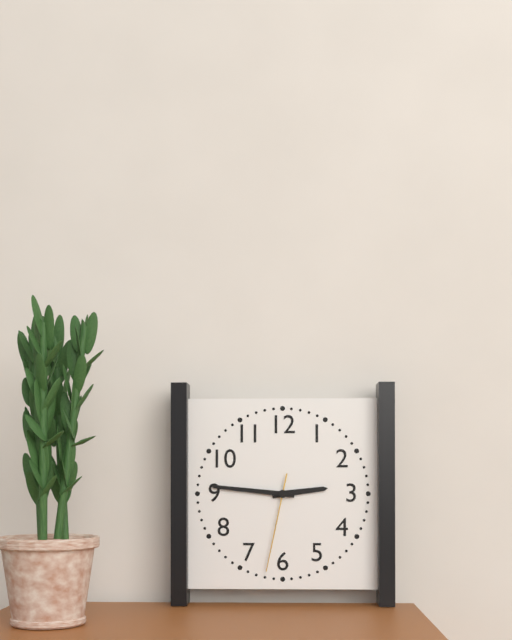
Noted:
2,46,32
